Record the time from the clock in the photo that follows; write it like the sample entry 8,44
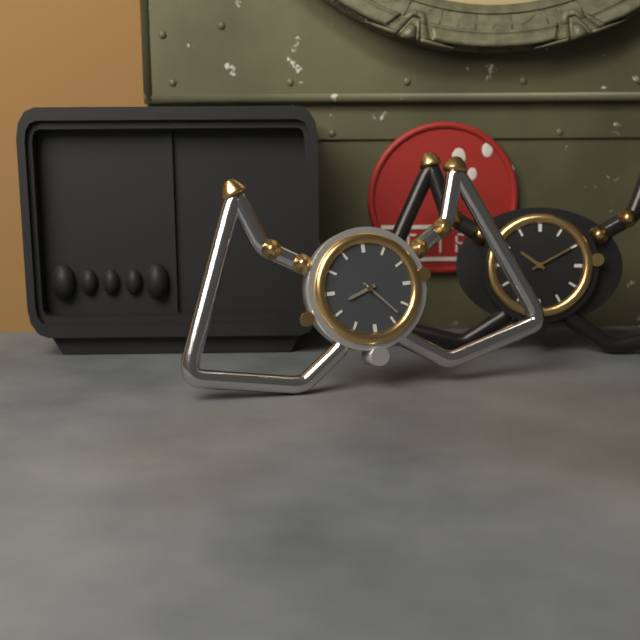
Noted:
8,23
